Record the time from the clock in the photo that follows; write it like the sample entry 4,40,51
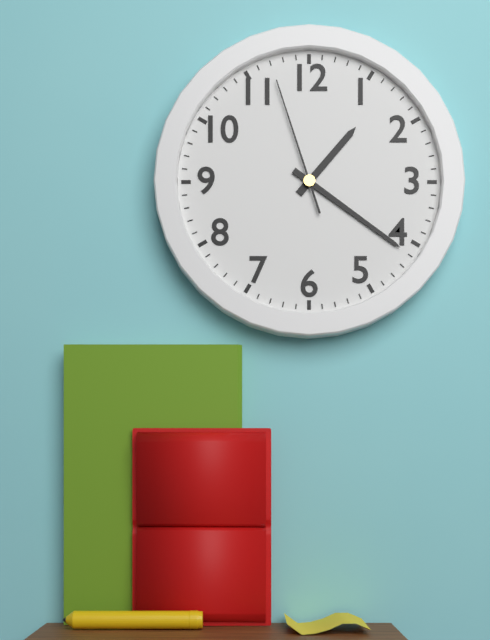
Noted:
1,21,57
